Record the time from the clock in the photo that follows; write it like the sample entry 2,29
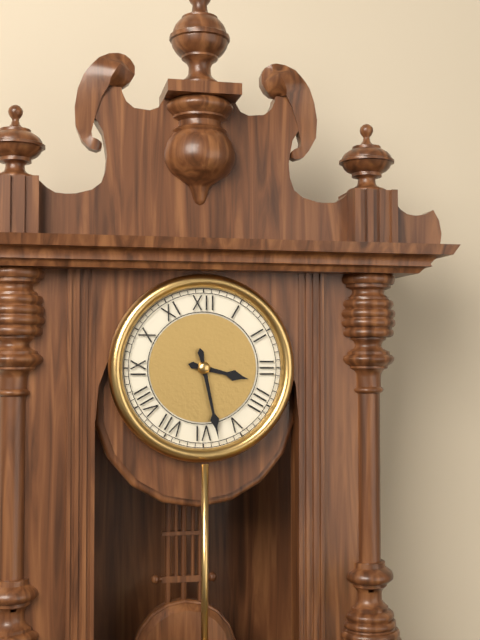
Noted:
3,28
